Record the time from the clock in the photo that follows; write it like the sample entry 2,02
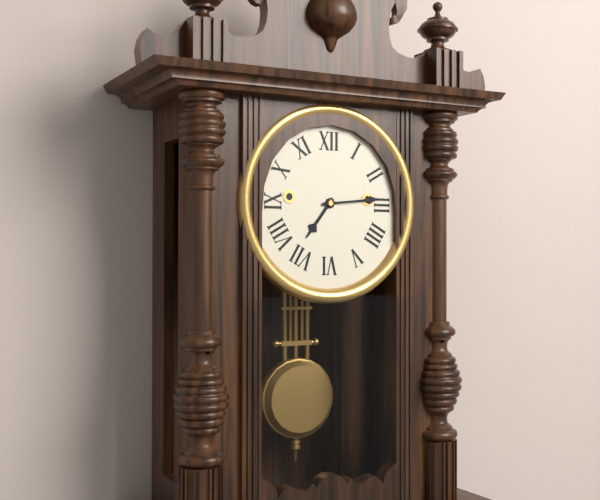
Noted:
7,14
